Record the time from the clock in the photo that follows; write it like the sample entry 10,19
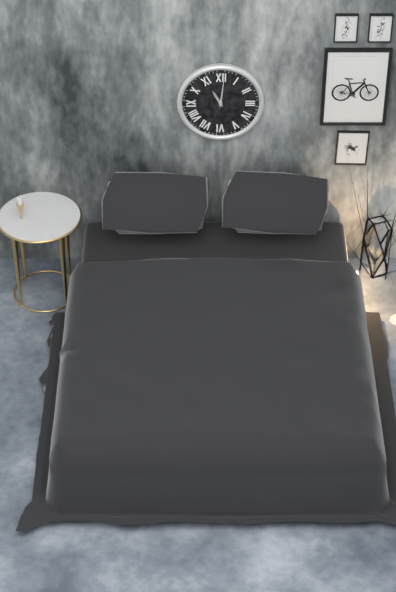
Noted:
11,01
